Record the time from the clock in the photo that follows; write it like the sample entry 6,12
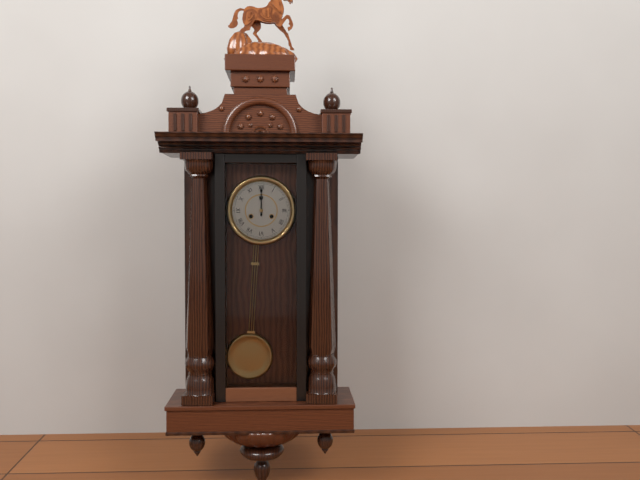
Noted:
12,00
